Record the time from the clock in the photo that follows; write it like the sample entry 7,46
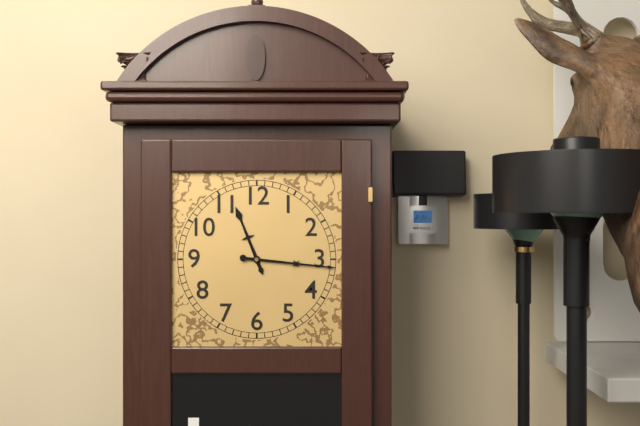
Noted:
11,16
